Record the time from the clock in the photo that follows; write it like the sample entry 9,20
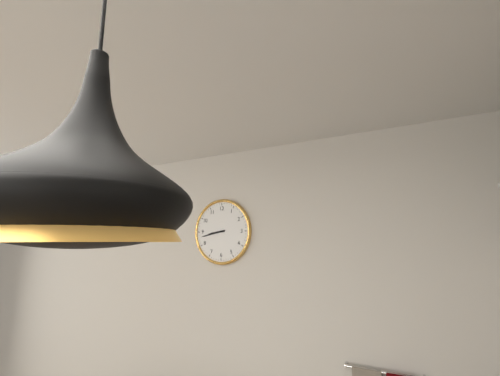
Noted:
8,43
